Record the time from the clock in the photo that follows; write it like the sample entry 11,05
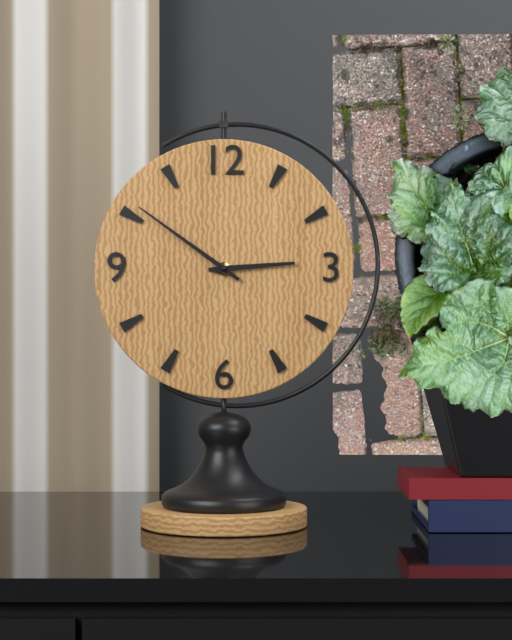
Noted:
2,51
